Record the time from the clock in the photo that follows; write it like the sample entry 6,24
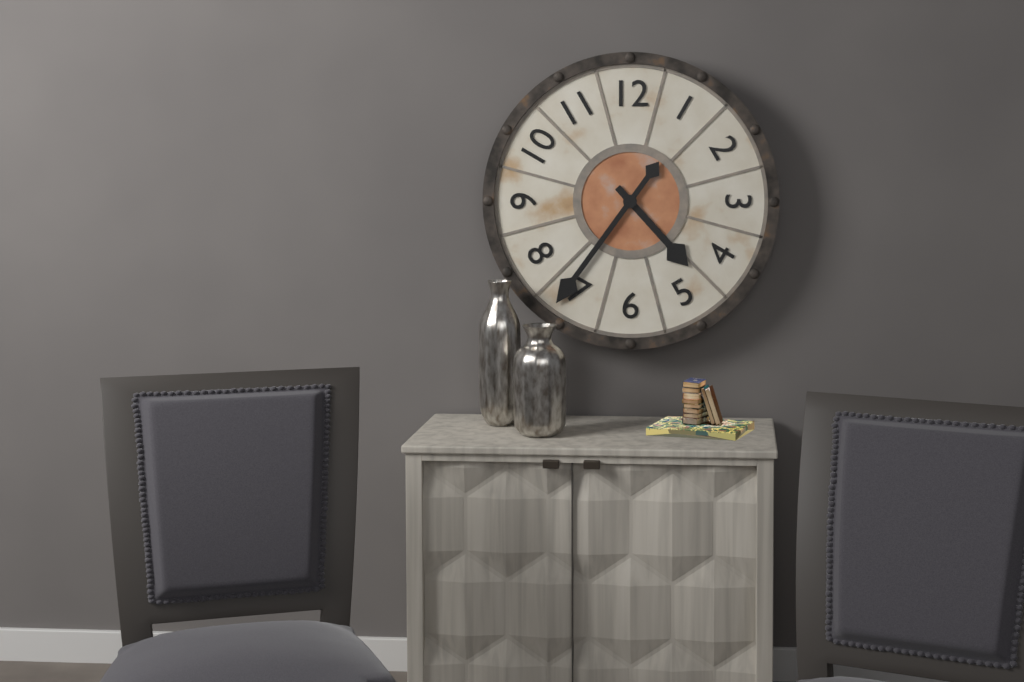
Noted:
4,36
